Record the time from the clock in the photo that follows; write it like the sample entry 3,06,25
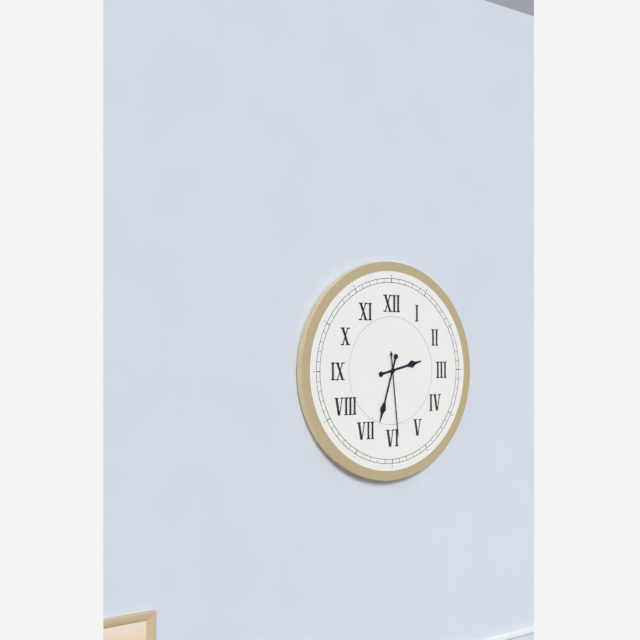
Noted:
2,33,29
